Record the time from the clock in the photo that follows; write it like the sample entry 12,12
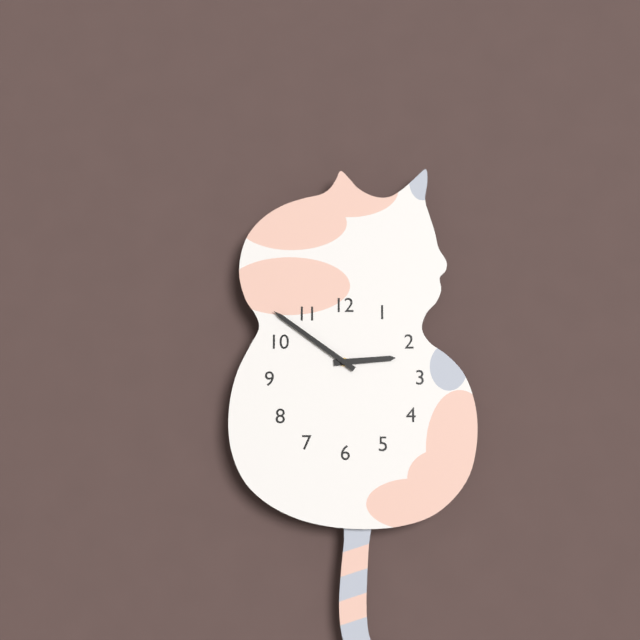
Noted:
2,51
